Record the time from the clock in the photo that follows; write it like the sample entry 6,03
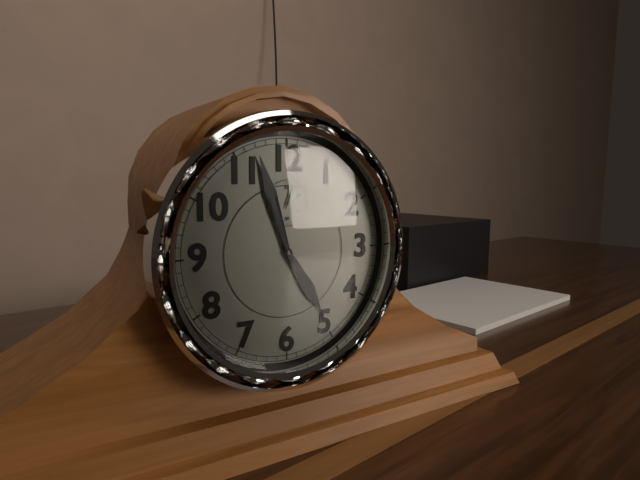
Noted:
4,57
